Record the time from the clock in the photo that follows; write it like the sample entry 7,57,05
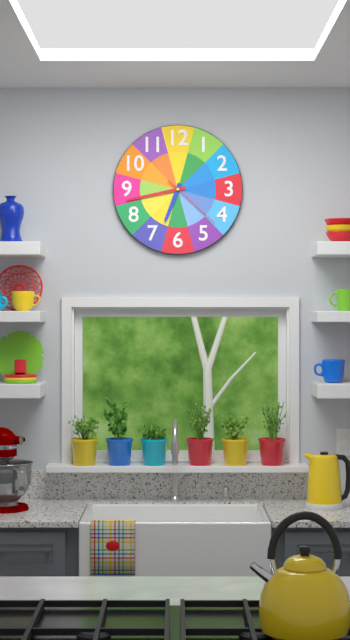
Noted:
6,43,22
